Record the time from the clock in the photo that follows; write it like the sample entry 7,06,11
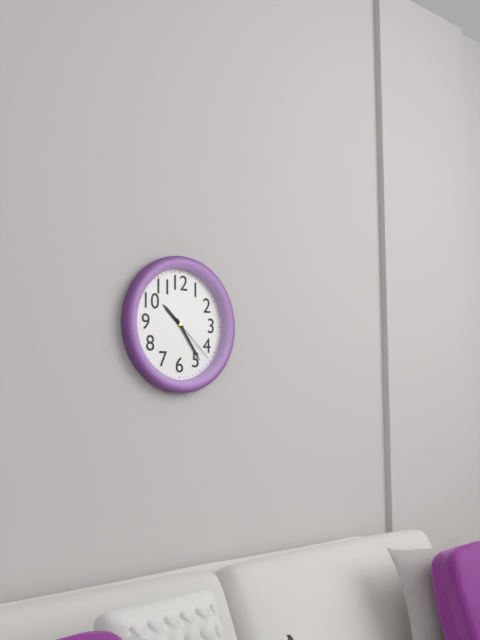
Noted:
10,24,22
